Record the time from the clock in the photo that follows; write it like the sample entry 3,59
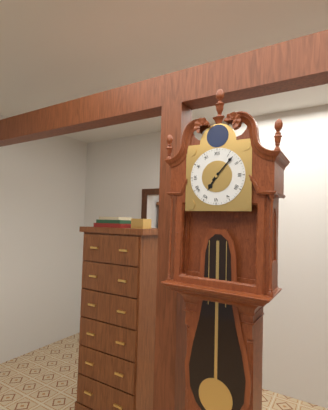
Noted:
7,07
